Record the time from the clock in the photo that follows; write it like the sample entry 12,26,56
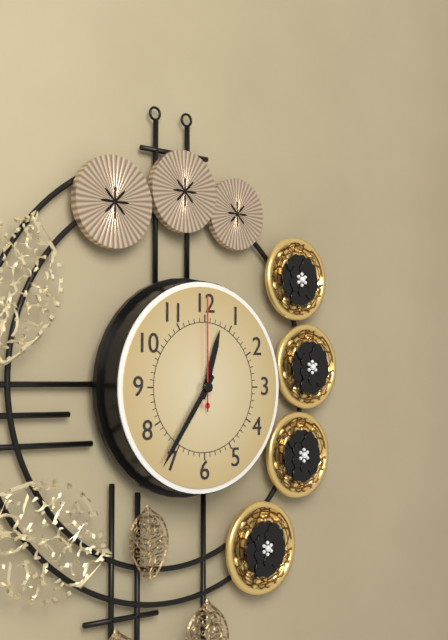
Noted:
12,36,00
